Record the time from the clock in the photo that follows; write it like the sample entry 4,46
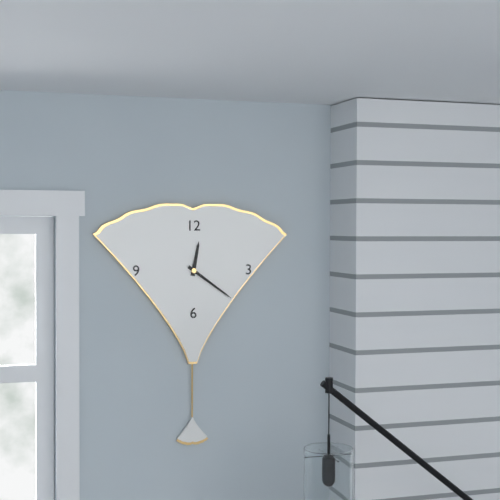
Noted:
12,21
